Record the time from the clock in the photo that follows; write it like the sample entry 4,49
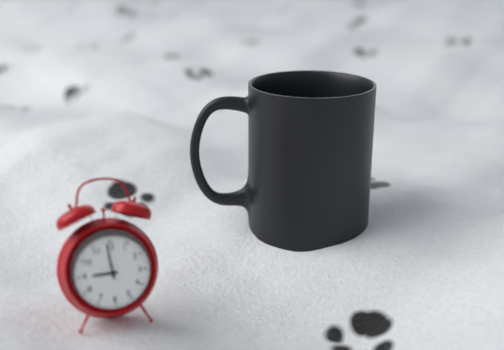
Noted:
8,59
